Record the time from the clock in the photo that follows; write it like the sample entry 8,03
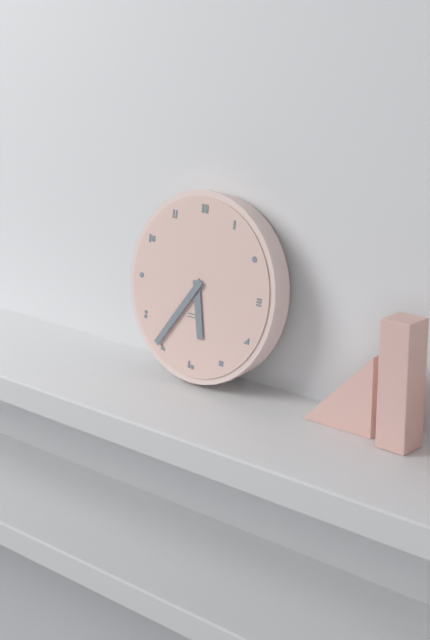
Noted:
5,36
